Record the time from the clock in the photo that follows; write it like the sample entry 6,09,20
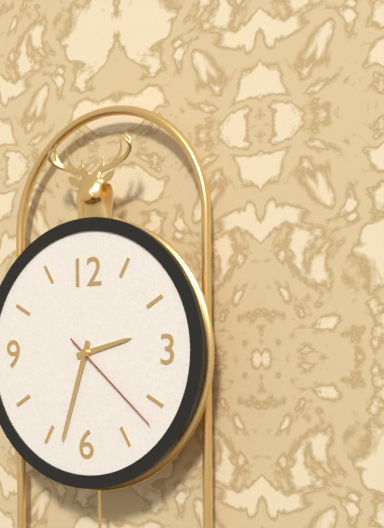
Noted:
2,33,22
